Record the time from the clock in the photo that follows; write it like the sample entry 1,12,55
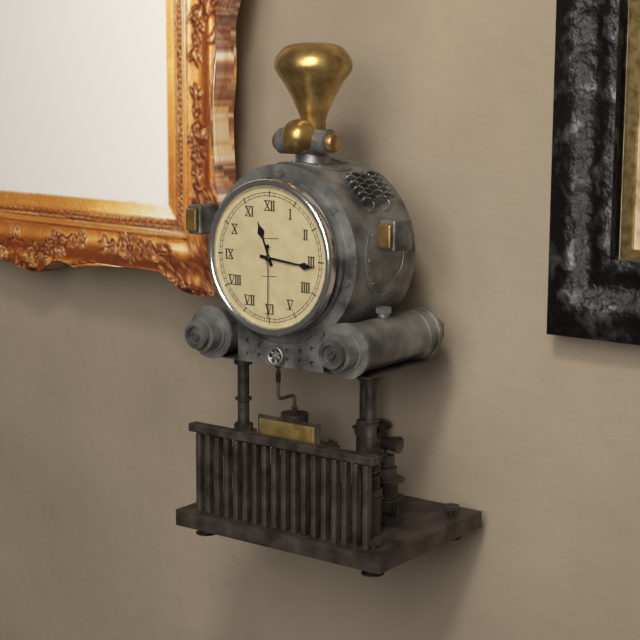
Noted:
11,16,30
